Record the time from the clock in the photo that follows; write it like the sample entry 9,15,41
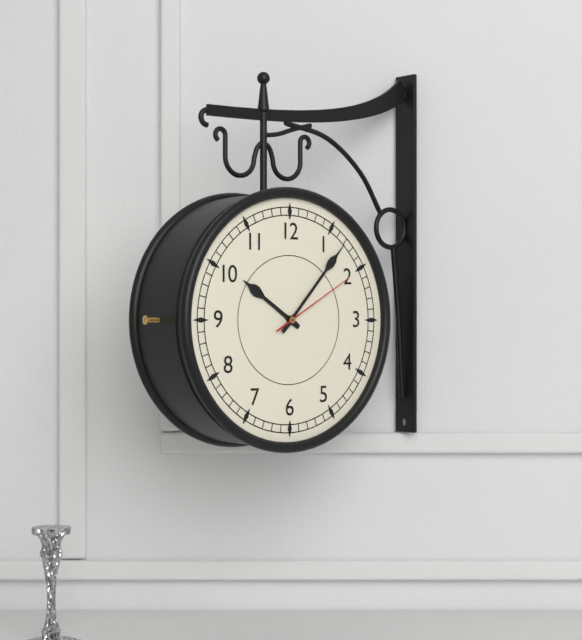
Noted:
10,07,10
